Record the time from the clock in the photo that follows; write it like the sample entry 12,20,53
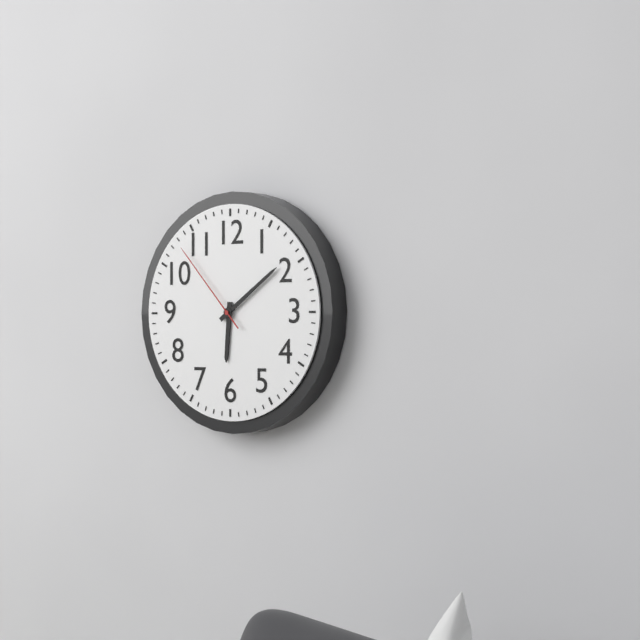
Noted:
6,09,53
